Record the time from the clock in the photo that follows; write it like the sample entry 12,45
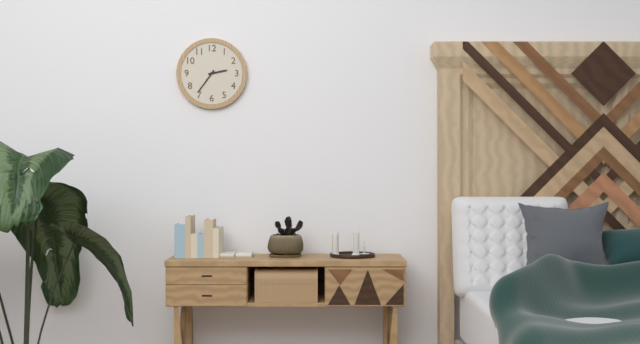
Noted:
2,36
